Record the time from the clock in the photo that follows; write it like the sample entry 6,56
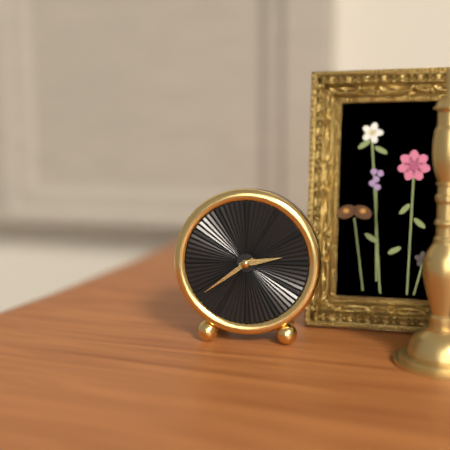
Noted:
2,39
